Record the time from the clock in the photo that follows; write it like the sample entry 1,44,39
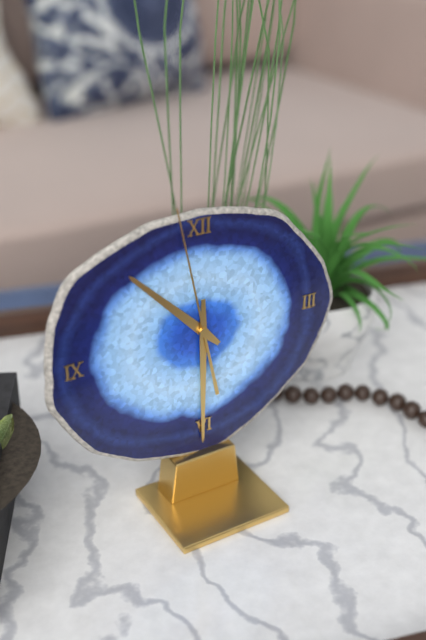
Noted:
10,30,58
